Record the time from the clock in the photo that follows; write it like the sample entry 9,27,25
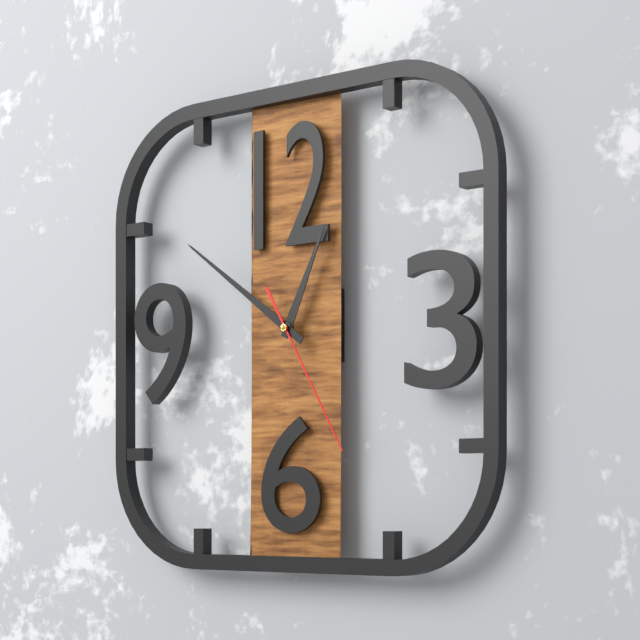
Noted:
12,51,25
